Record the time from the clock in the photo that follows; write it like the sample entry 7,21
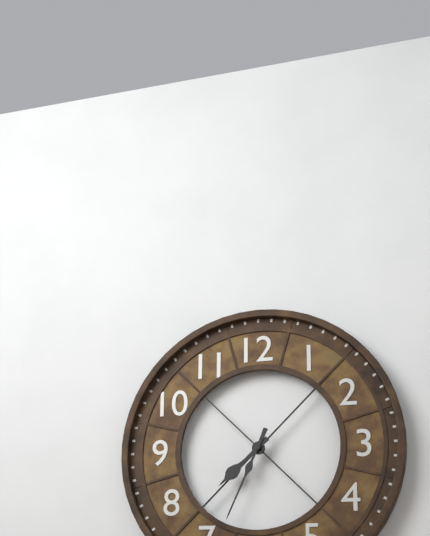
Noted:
7,34
